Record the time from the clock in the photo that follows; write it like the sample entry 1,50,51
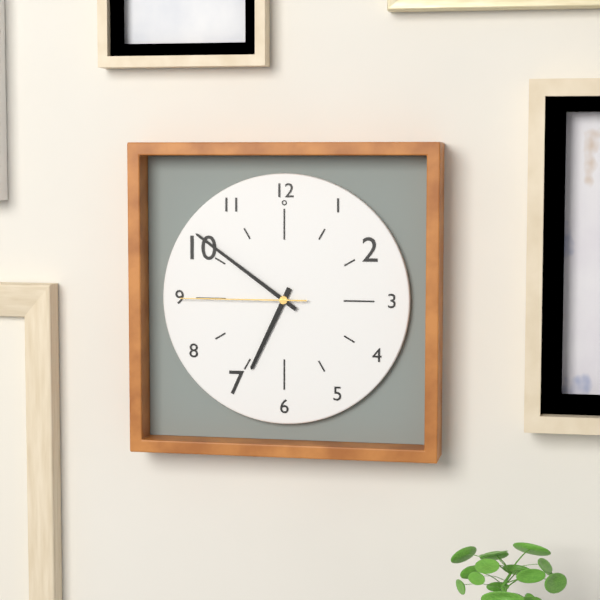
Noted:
6,51,45
